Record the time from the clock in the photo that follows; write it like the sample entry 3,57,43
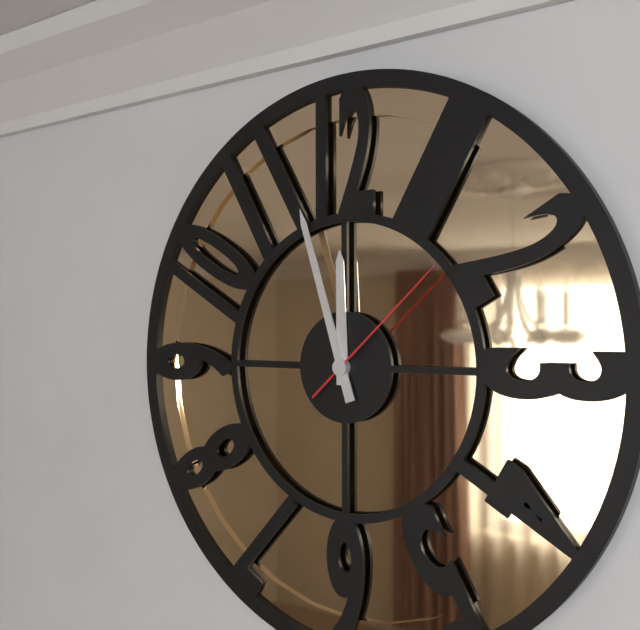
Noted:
11,57,08
